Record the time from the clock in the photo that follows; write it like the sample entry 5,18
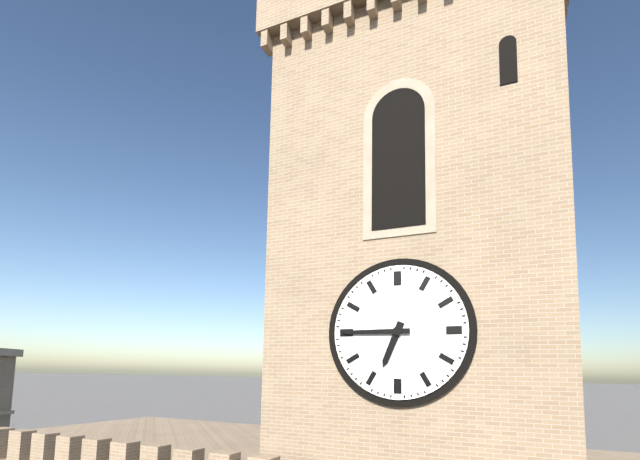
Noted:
6,45
